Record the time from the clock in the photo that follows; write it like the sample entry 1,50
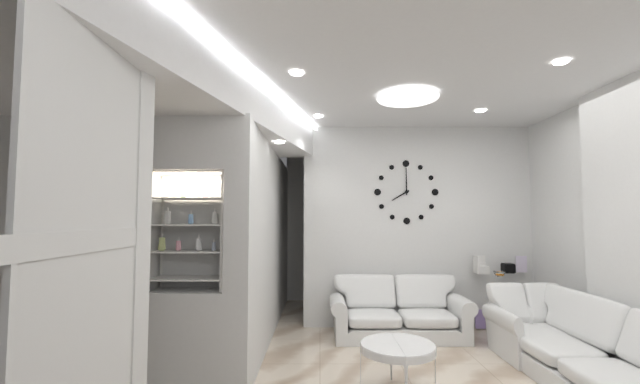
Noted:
8,00
